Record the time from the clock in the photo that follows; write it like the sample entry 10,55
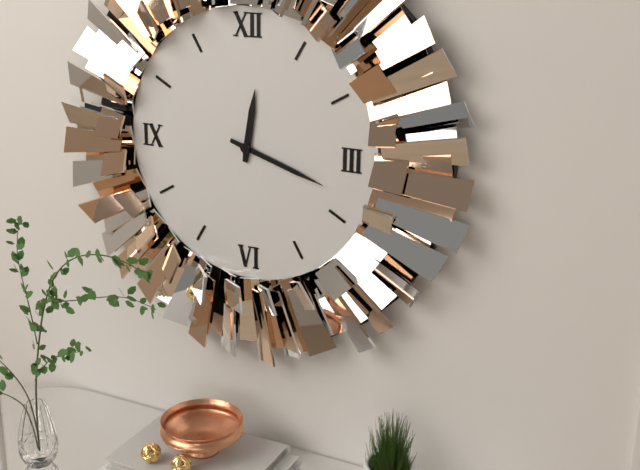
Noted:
12,18
